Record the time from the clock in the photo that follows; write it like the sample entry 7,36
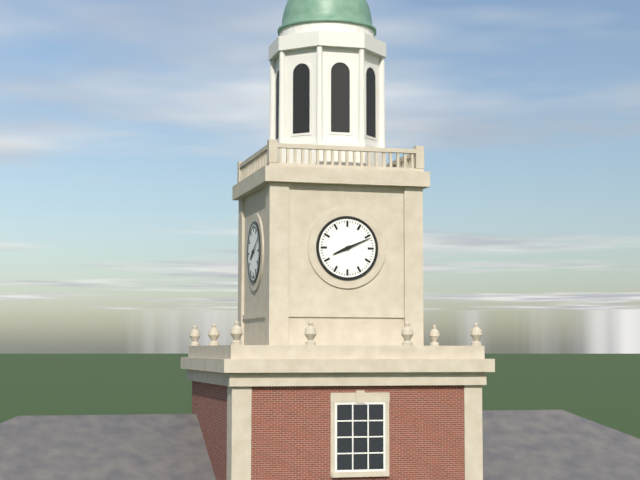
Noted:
8,11
